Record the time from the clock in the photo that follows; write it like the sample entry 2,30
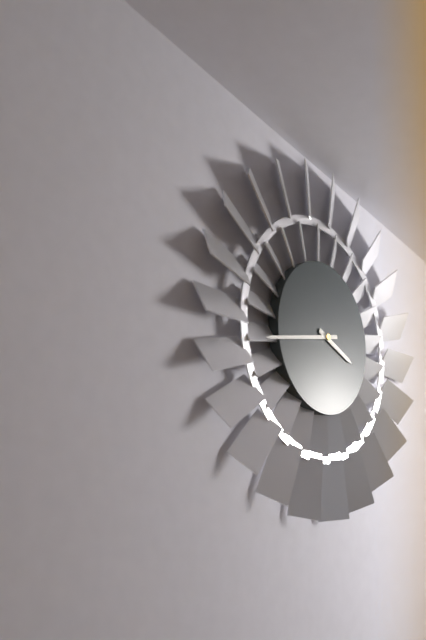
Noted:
3,43
